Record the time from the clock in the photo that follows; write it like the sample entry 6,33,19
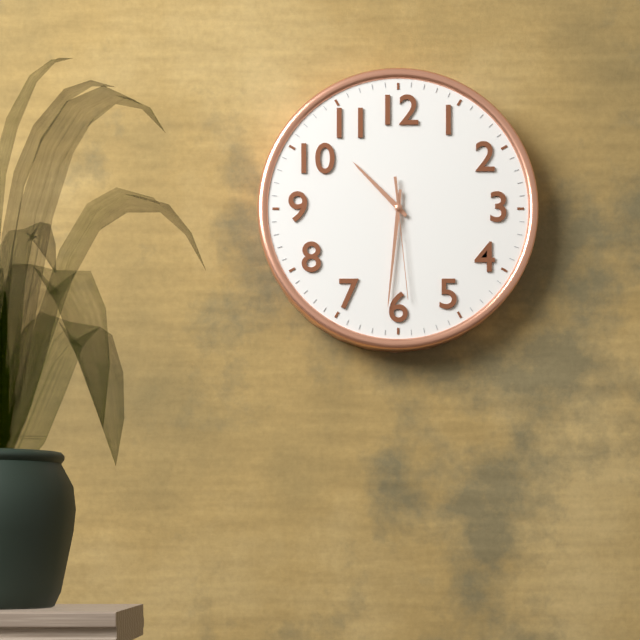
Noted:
10,31,29
